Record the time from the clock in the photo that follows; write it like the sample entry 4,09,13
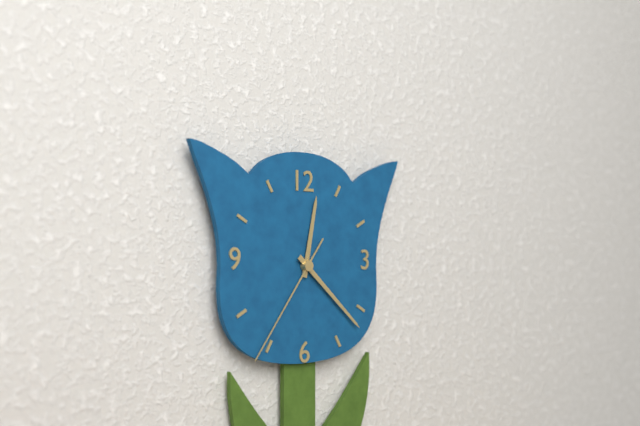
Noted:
12,22,36
